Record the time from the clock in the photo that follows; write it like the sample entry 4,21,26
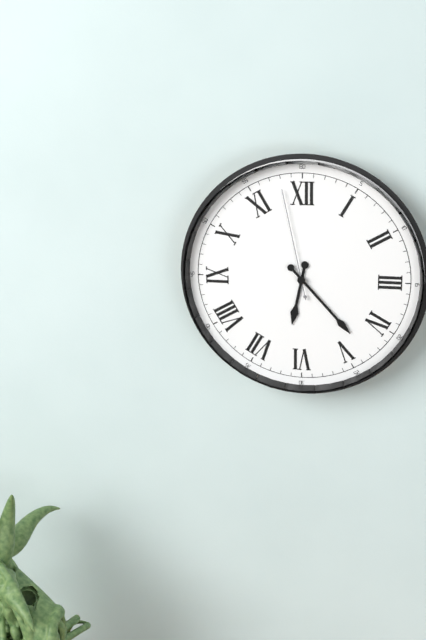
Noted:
6,23,58
